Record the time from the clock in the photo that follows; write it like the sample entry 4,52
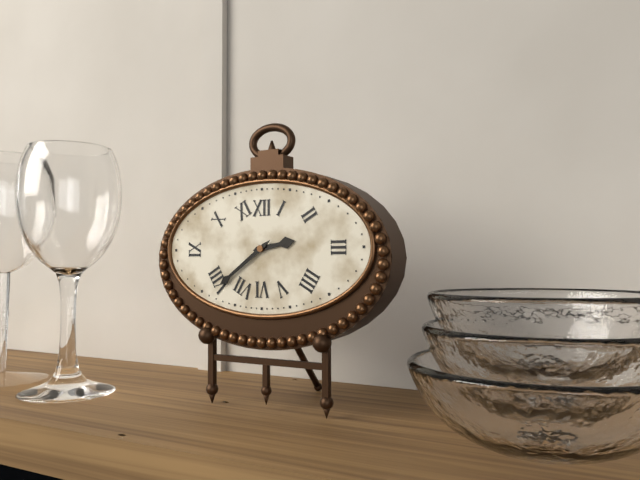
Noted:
2,39
